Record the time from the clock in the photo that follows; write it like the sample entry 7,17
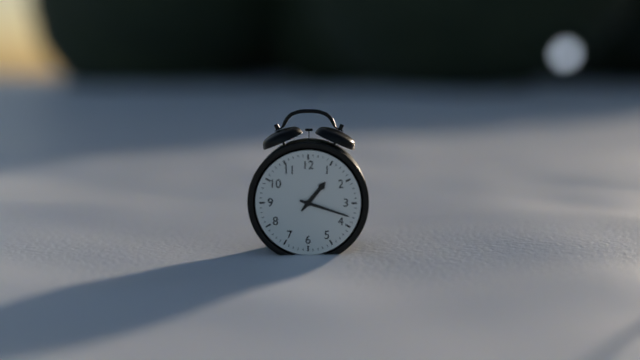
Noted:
1,18
